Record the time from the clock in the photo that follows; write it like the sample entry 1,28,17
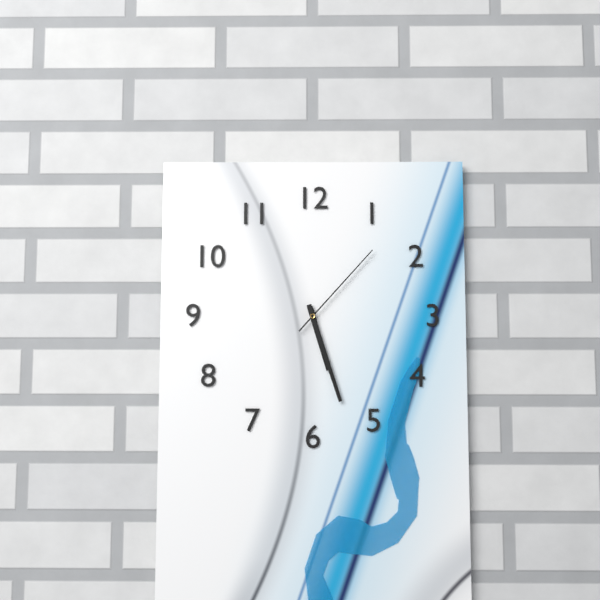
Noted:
5,27,07
